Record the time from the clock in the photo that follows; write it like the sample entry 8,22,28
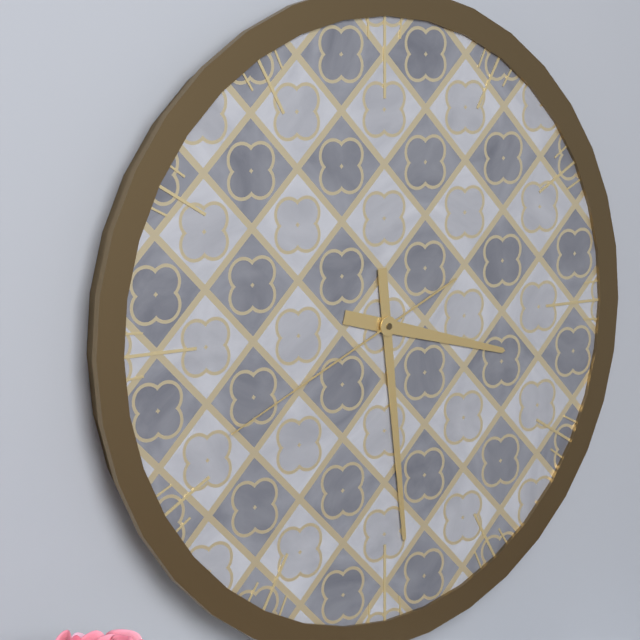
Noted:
3,29,41
